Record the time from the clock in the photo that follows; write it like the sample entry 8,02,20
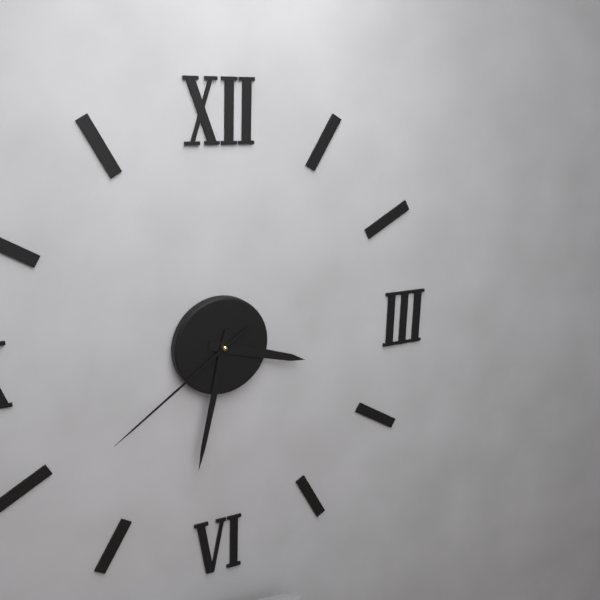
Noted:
3,32,39
